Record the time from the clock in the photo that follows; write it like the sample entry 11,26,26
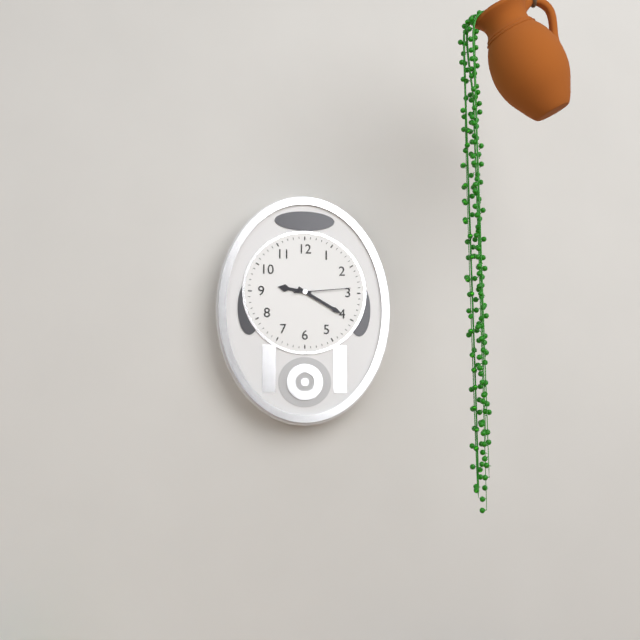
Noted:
9,20,14
